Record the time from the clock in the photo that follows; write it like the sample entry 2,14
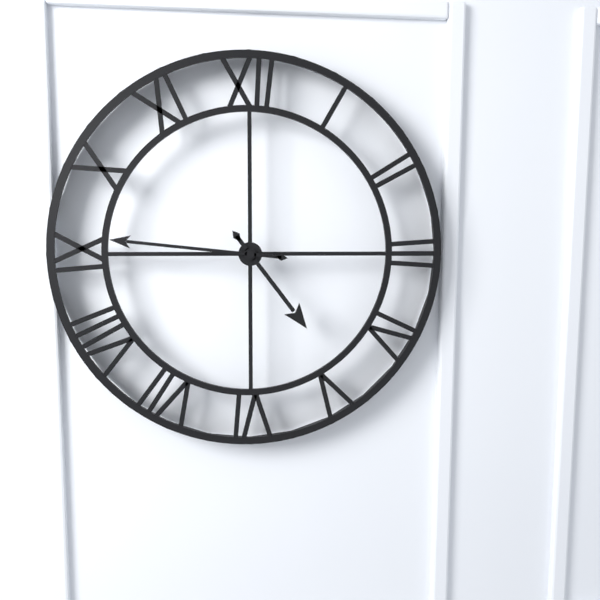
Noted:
4,46
